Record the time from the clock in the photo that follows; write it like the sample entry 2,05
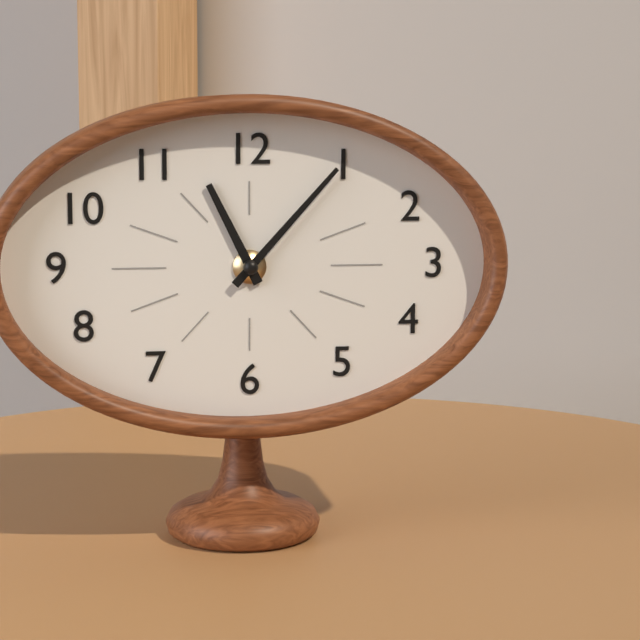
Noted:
11,07
